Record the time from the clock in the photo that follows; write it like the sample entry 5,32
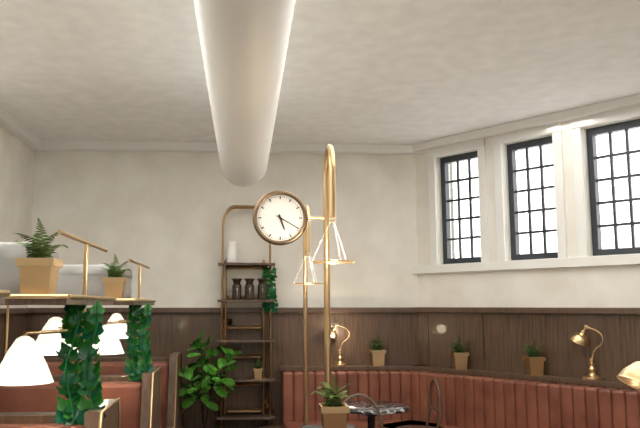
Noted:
5,20
